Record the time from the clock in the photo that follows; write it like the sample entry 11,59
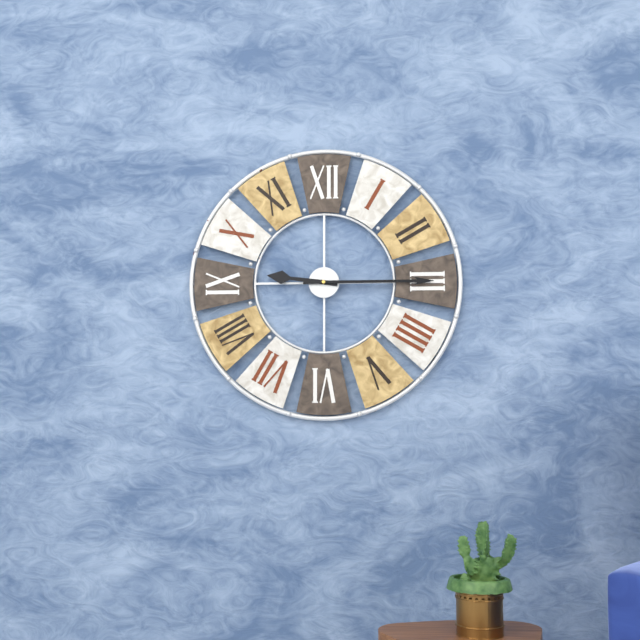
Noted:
9,15
